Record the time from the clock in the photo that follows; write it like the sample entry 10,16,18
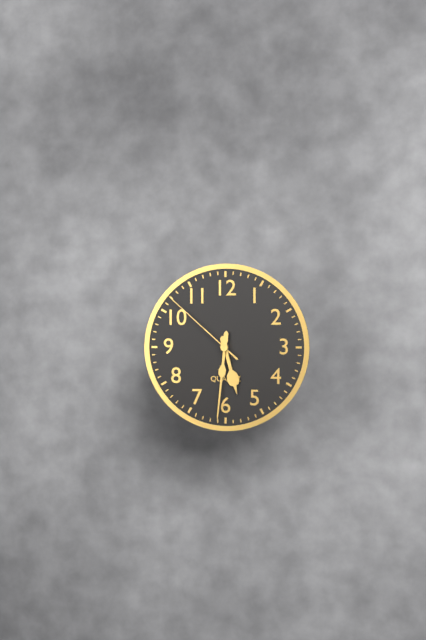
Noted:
5,31,52
